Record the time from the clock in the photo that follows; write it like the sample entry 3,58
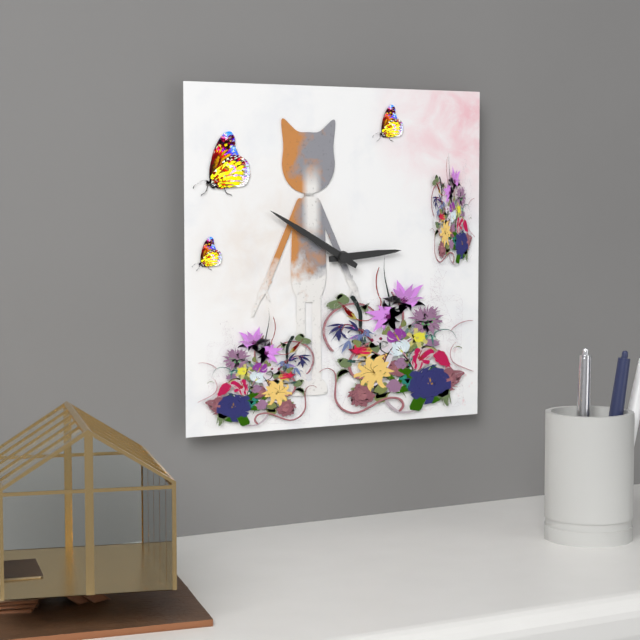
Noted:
2,50
